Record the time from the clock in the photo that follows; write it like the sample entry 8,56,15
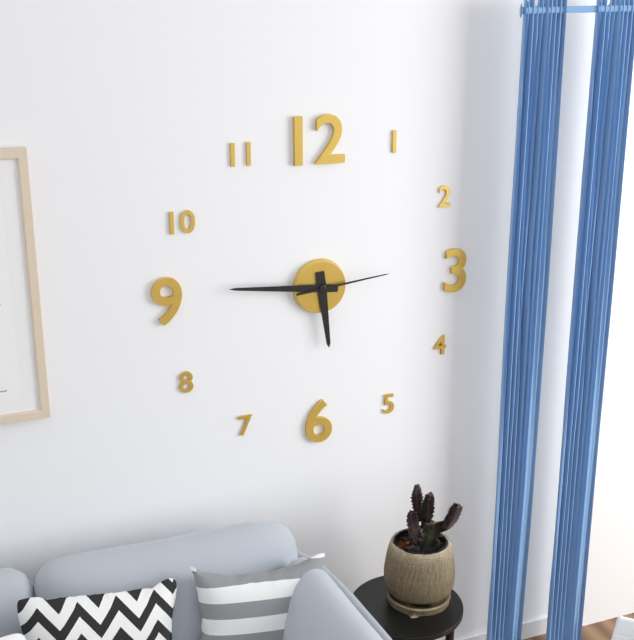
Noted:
5,46,14
